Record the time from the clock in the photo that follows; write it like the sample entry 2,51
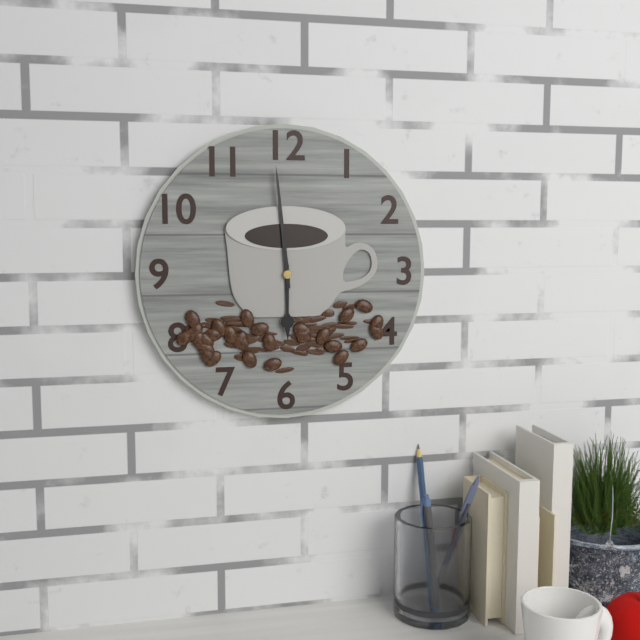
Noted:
5,59
